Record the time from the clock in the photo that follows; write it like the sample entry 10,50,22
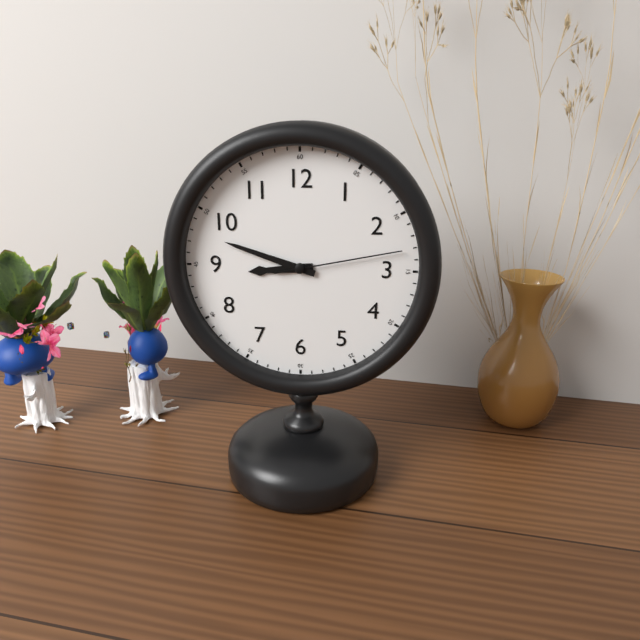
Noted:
8,48,13
